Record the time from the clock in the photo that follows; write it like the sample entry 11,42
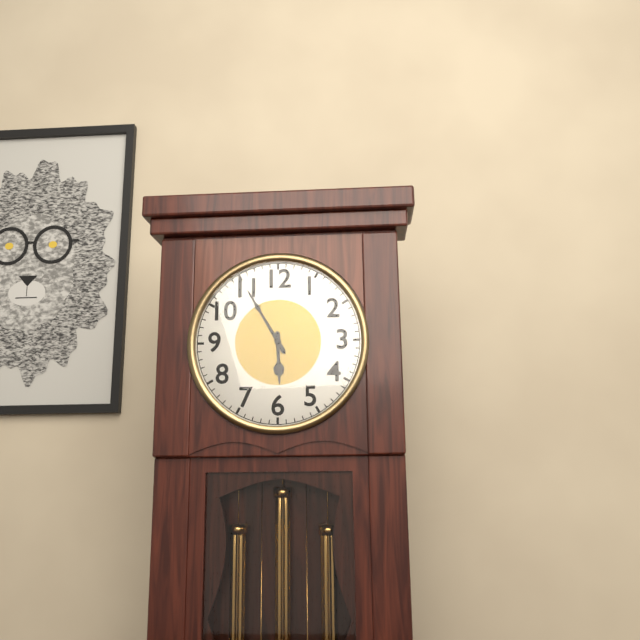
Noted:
5,55
